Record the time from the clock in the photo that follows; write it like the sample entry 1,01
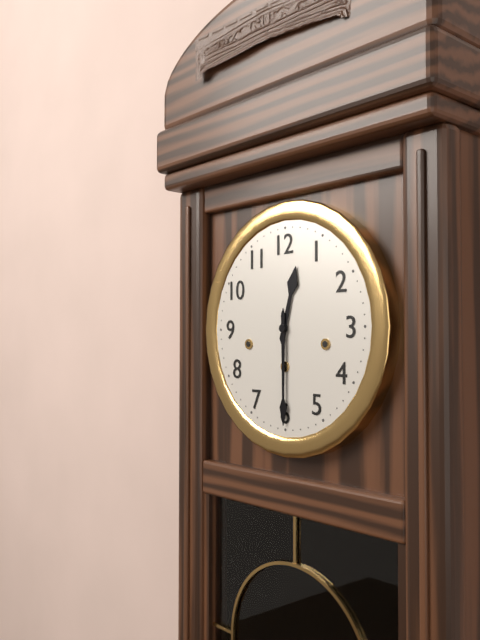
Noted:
12,30
